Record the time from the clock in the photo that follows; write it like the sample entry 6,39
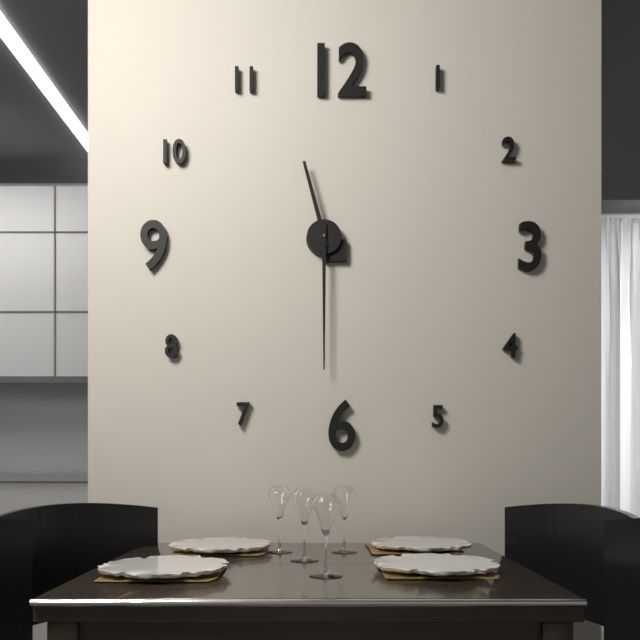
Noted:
11,30
